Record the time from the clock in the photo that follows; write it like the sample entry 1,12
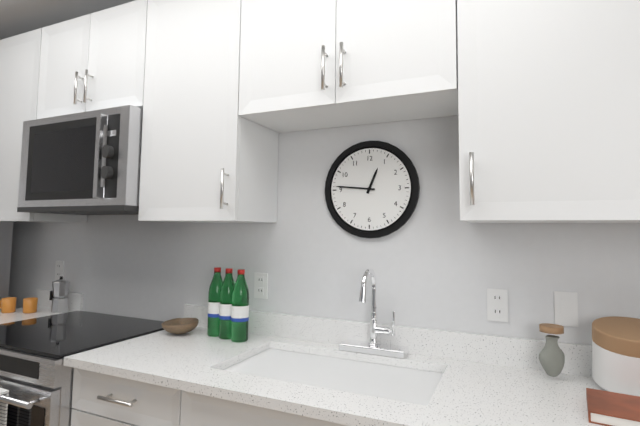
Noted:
12,46
